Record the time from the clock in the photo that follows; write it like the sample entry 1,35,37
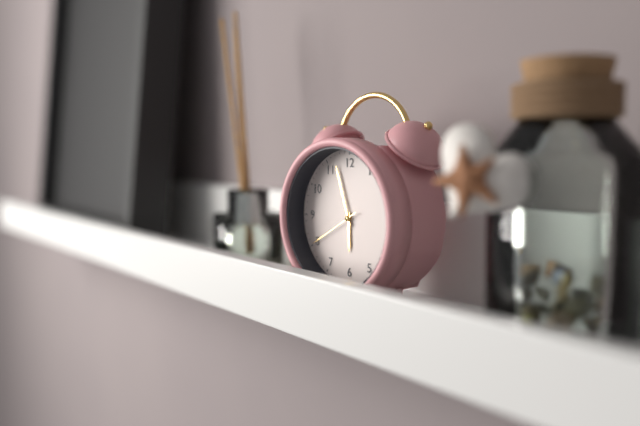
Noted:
5,57,40
